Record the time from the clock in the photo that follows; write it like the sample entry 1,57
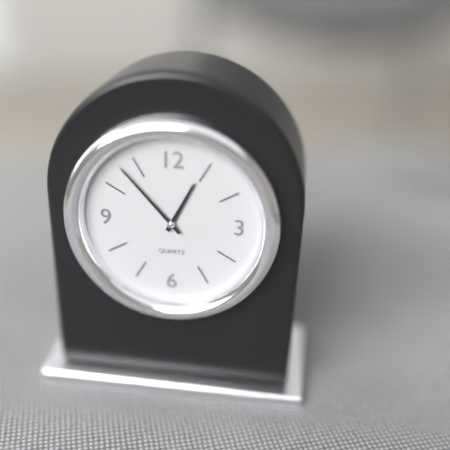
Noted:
12,53
